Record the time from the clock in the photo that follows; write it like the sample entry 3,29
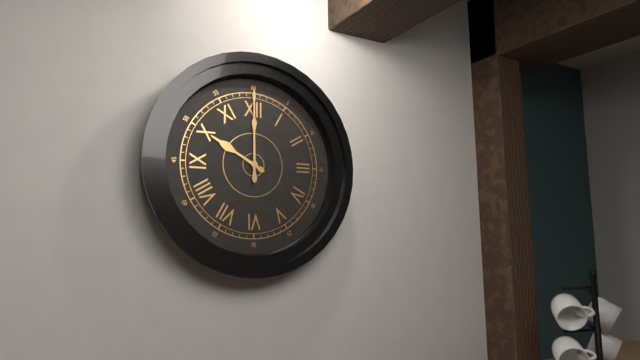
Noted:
10,00
